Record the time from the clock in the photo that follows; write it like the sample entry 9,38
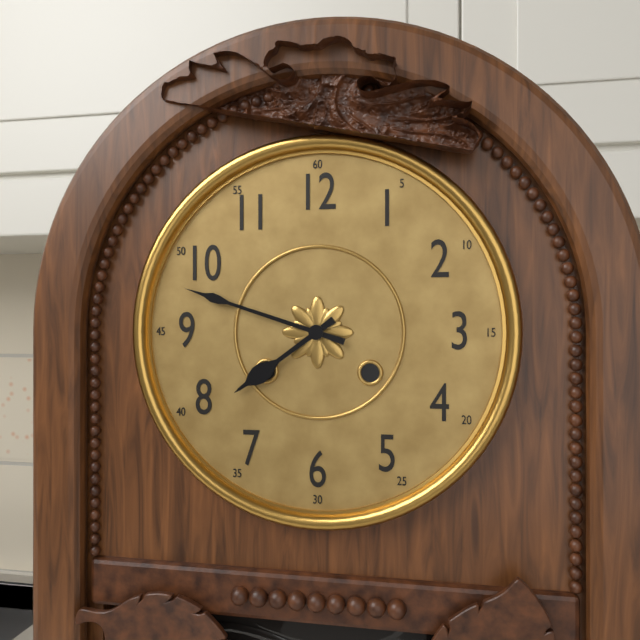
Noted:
7,48
